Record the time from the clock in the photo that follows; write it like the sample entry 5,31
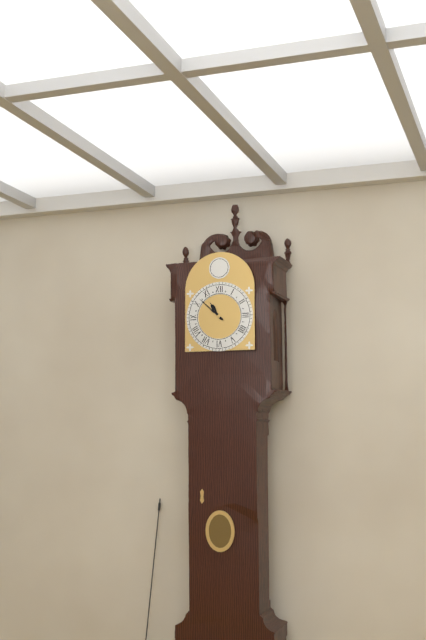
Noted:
10,52
